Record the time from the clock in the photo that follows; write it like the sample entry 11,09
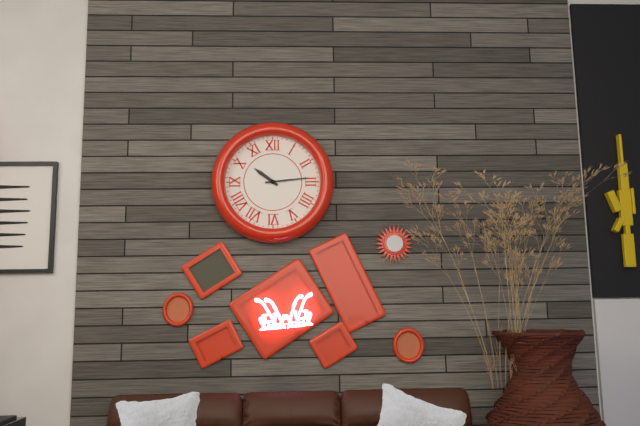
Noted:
10,14
